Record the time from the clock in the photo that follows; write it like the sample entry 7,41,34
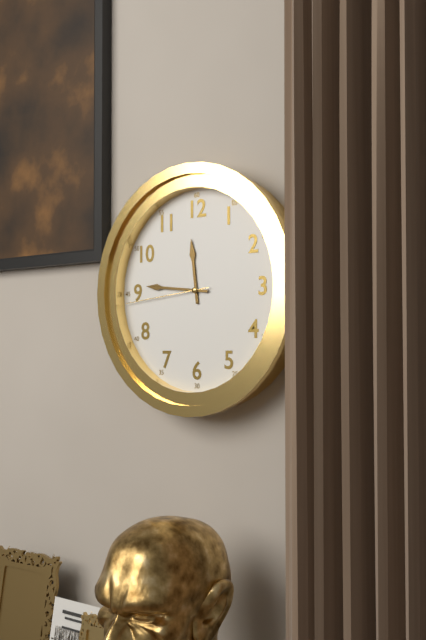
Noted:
11,46,44
